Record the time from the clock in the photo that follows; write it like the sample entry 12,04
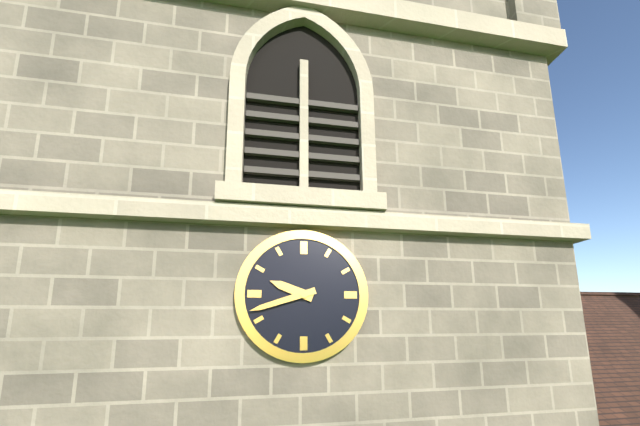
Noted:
9,42
